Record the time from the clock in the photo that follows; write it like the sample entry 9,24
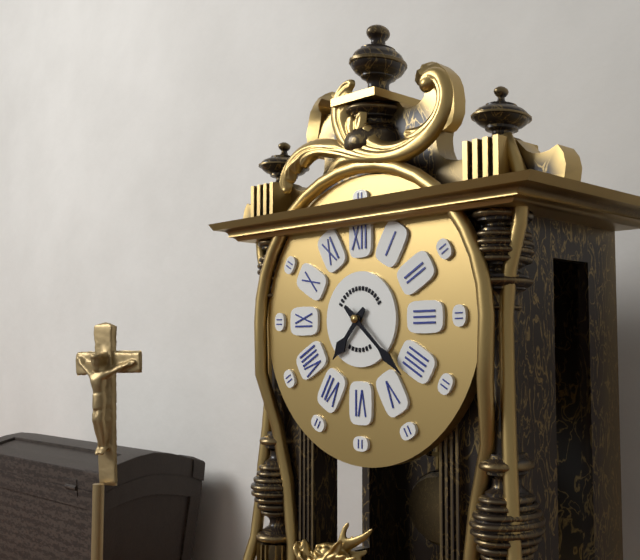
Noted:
7,22
